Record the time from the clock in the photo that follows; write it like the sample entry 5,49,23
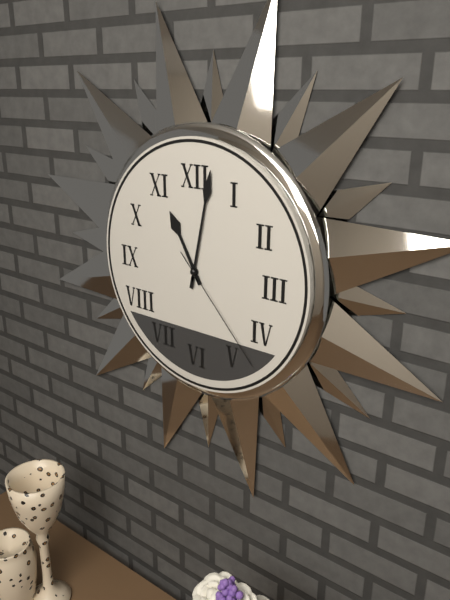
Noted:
11,02,23
